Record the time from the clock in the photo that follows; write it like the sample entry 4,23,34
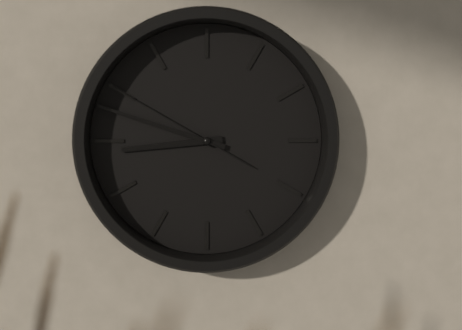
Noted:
8,48,50
